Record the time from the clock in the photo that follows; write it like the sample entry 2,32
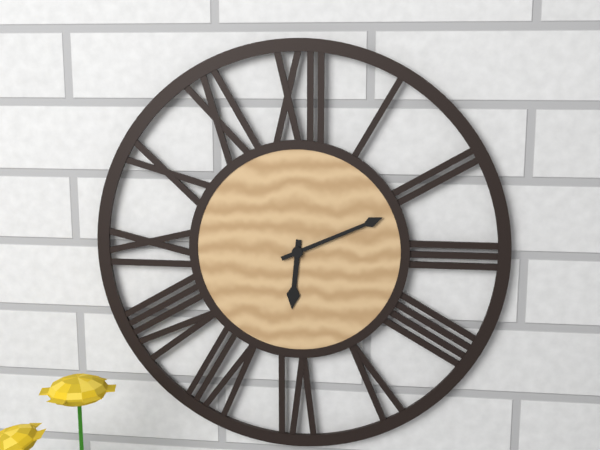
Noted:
6,11
